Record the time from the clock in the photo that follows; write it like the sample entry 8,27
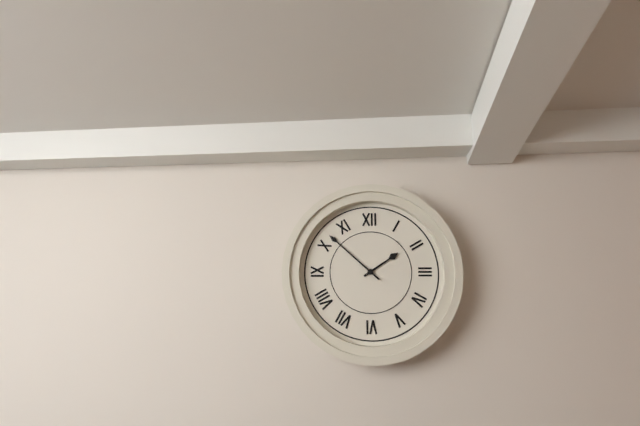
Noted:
1,52
